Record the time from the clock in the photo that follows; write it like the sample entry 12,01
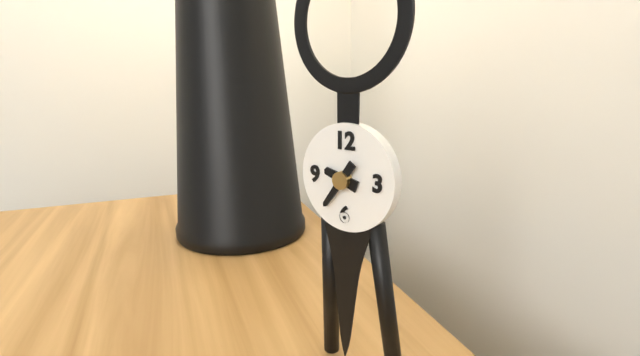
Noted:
9,36
